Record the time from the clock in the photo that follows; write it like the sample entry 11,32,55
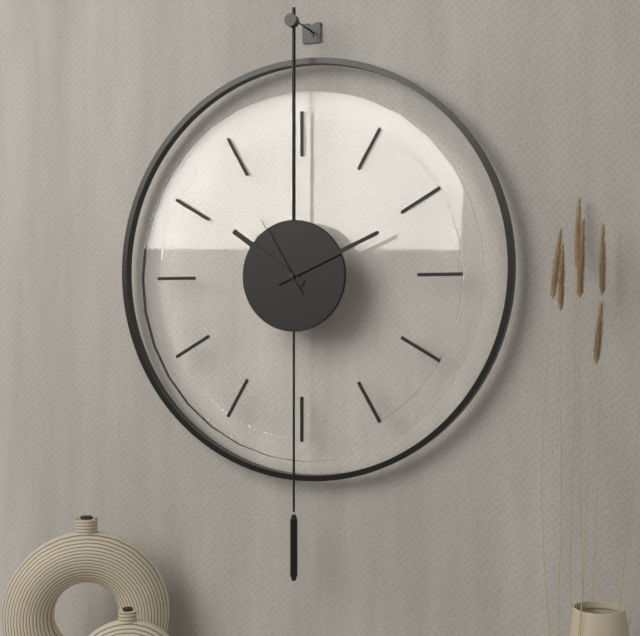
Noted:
10,11,55
